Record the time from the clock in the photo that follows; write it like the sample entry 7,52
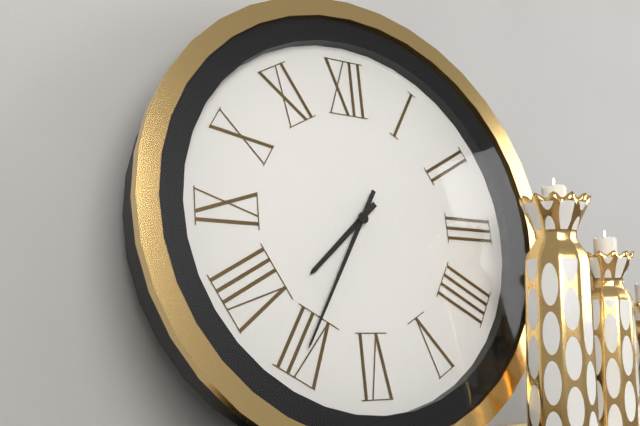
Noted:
7,35
